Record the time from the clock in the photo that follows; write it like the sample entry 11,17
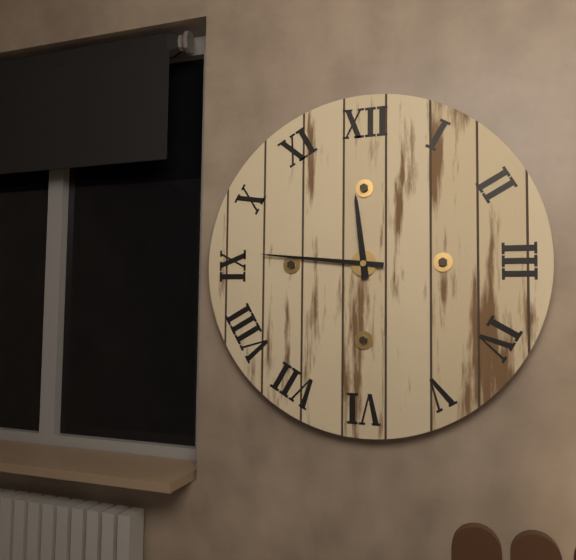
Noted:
11,46
